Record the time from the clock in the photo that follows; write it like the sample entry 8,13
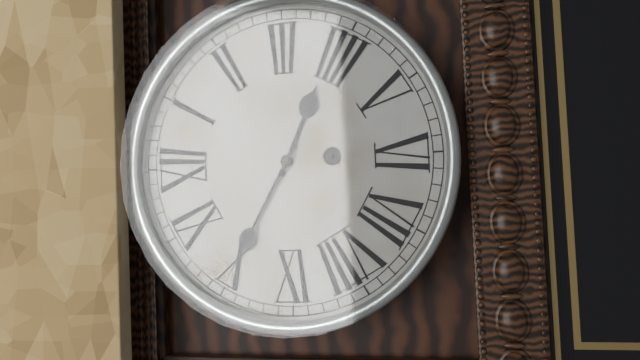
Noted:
3,50
